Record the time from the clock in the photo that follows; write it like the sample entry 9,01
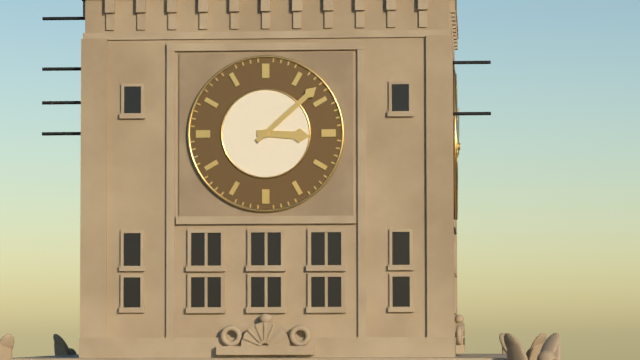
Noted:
3,08
